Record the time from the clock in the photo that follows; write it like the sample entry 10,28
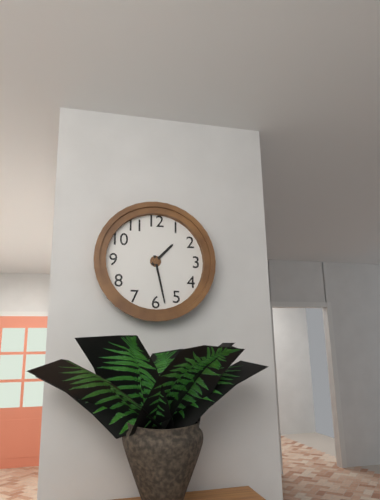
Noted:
1,28
